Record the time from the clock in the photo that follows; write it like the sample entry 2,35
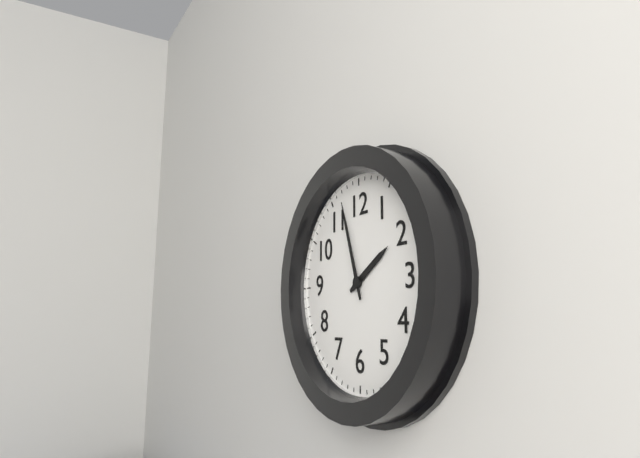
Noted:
1,57
